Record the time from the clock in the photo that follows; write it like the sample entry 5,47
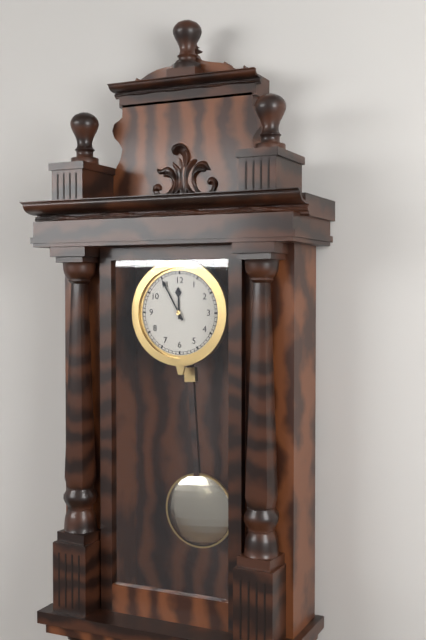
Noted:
11,55
